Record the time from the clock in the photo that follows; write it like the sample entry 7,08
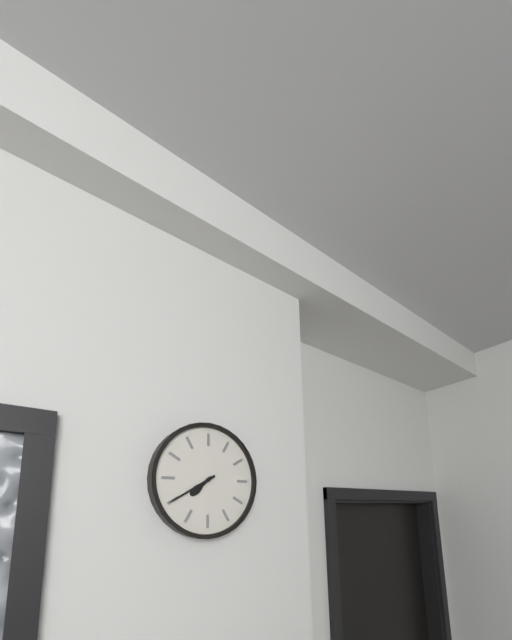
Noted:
7,40
